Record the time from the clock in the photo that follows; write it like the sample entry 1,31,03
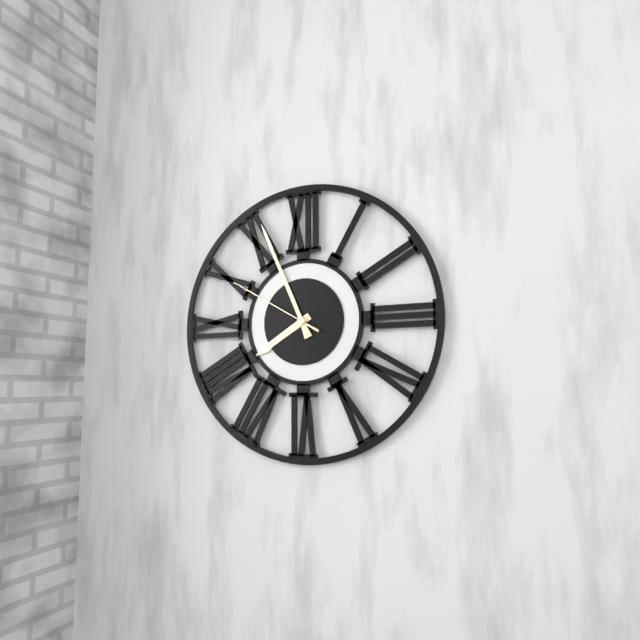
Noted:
7,56,50
